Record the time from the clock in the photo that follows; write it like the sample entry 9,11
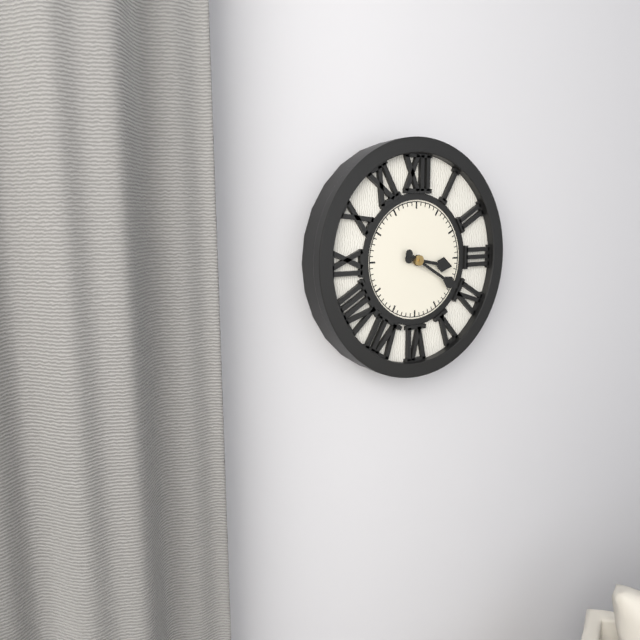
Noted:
3,20
